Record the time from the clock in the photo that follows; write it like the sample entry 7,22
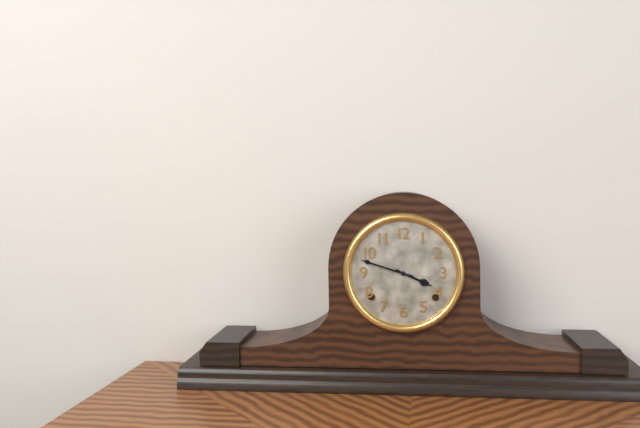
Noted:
3,48
